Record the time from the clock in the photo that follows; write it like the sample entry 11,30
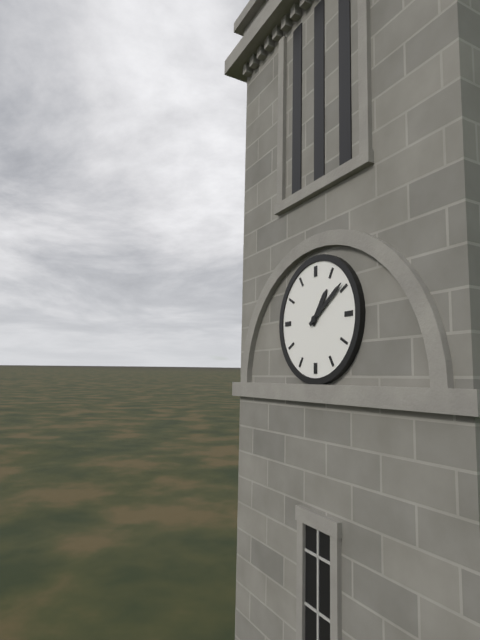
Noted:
1,09
